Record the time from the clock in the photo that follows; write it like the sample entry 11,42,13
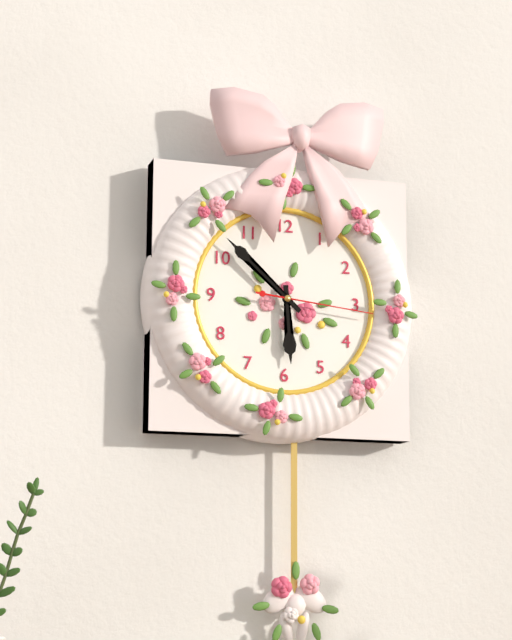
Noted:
5,52,16
